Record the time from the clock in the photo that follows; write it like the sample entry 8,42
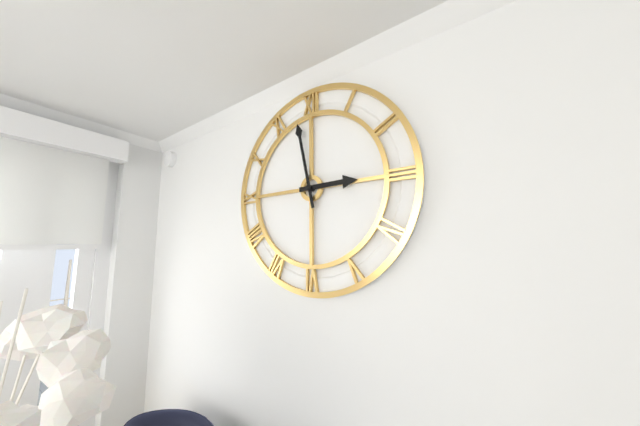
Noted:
2,58
